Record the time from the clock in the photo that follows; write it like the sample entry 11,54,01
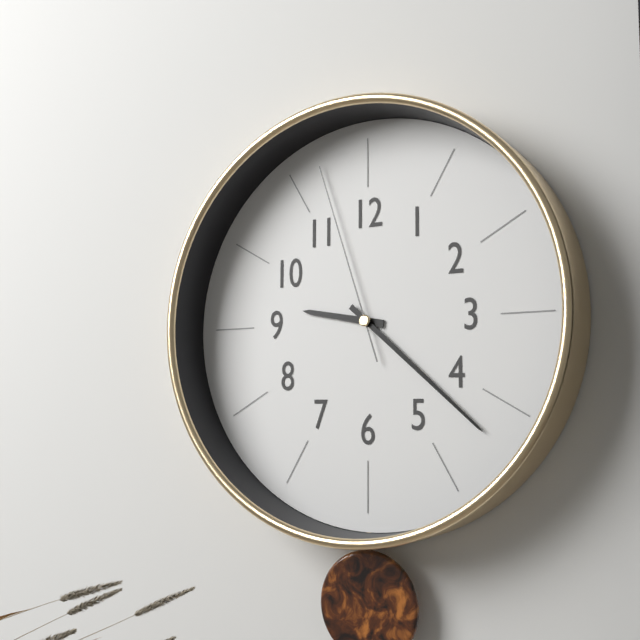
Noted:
9,22,57
